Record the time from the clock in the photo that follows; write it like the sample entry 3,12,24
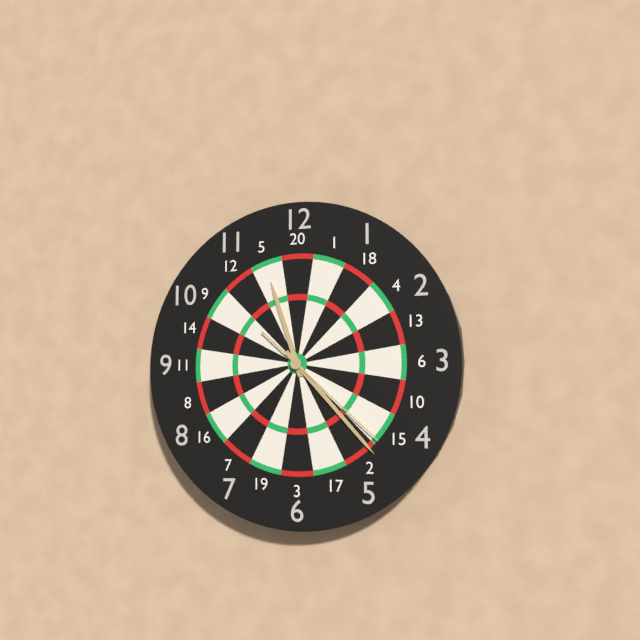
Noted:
11,23,22
